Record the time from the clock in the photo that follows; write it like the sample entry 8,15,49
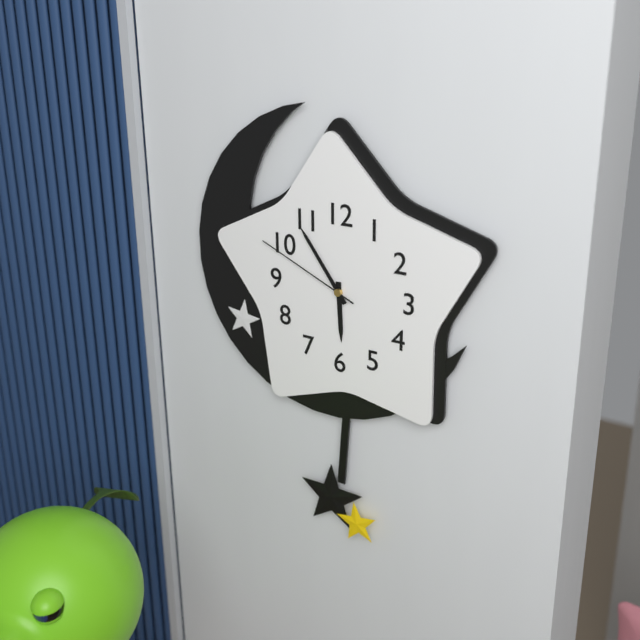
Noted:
5,54,49
